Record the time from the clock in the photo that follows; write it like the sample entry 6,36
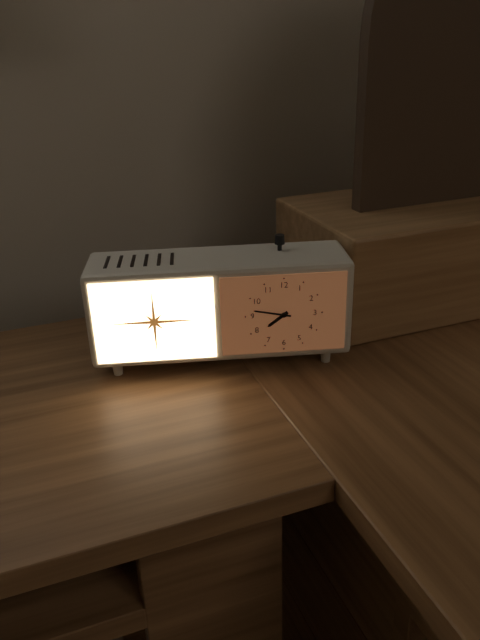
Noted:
7,47
